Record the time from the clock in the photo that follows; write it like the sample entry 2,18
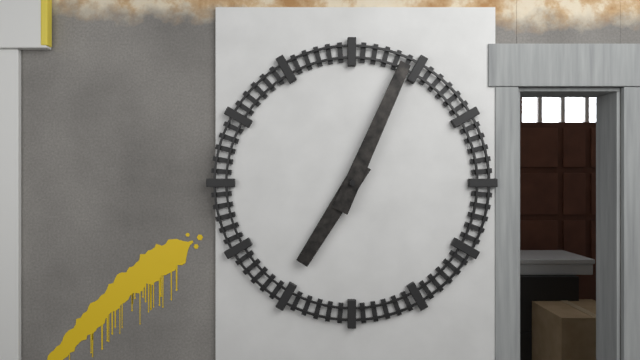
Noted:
7,04
